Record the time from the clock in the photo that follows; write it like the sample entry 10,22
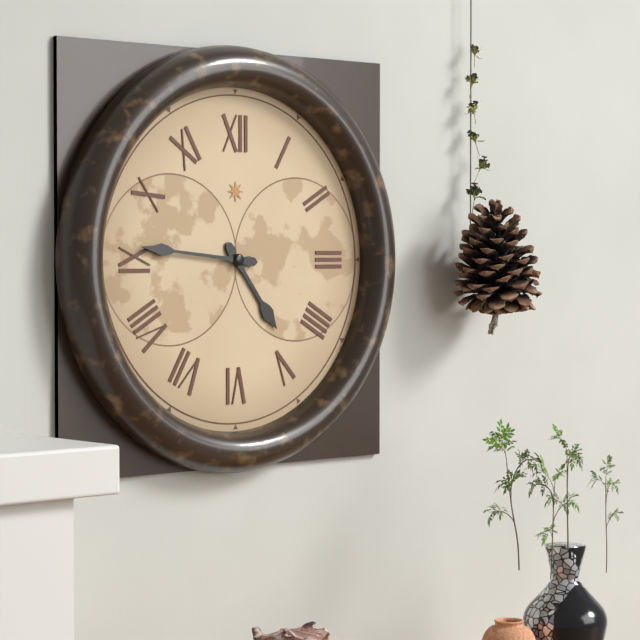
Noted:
4,46
